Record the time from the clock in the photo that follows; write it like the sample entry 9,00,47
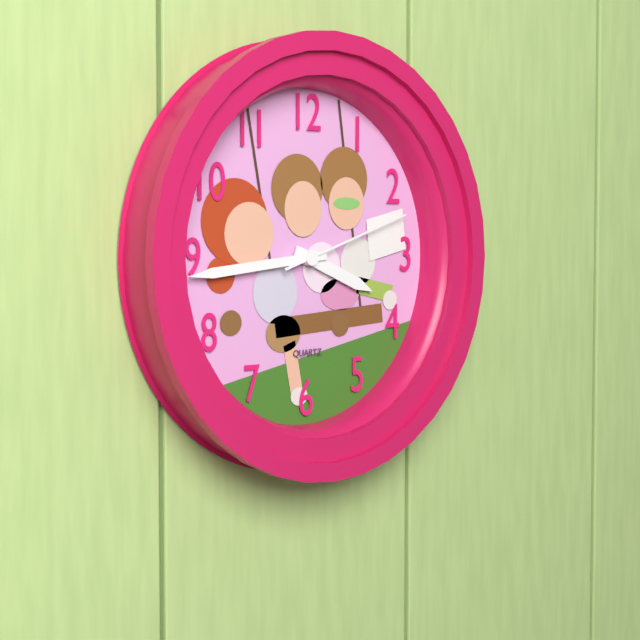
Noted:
3,44,12
